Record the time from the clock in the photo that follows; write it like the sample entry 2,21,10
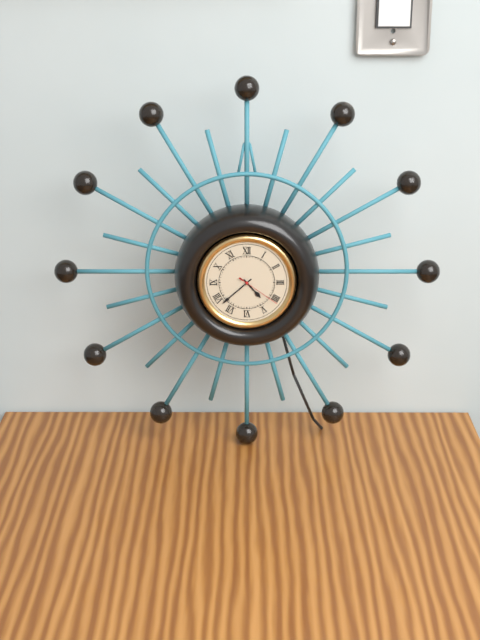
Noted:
4,38,21
